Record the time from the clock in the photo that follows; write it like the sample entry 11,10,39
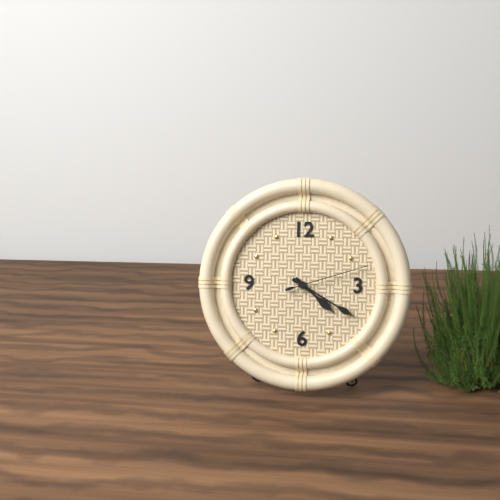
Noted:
4,20,12
